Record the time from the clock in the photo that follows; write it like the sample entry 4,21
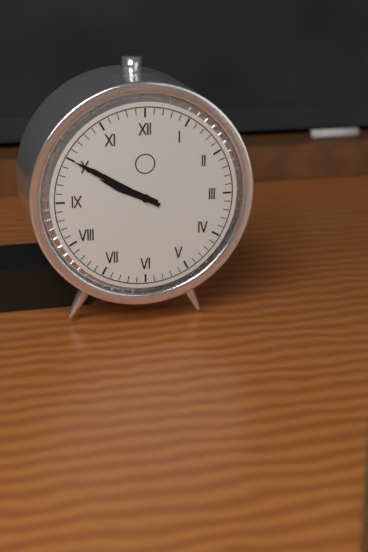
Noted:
9,50
